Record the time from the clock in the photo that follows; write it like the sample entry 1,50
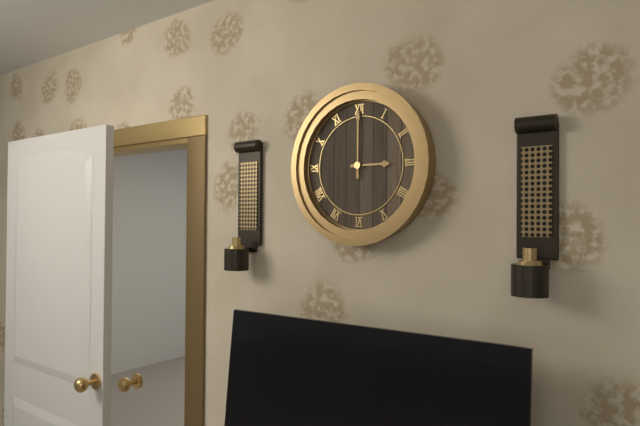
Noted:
3,00
